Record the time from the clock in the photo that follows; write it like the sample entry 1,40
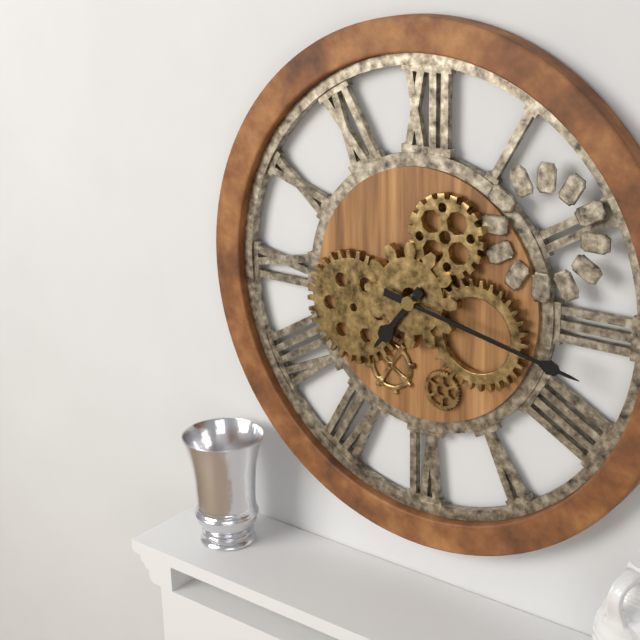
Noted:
7,17
